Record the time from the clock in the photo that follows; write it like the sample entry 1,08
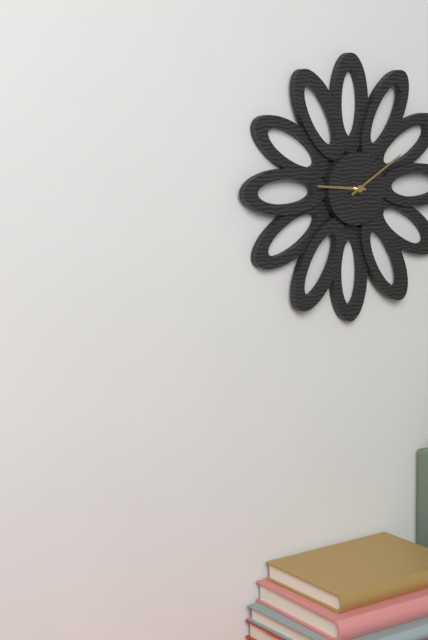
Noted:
9,10
